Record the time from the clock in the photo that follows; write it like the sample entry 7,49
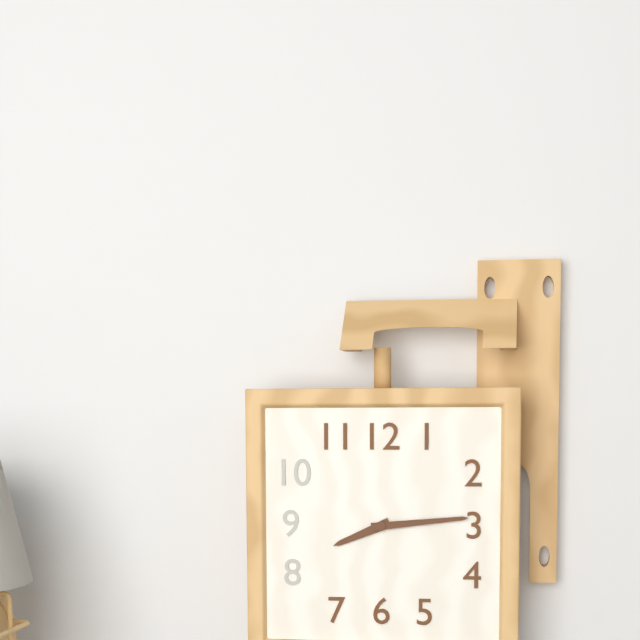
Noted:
8,14
